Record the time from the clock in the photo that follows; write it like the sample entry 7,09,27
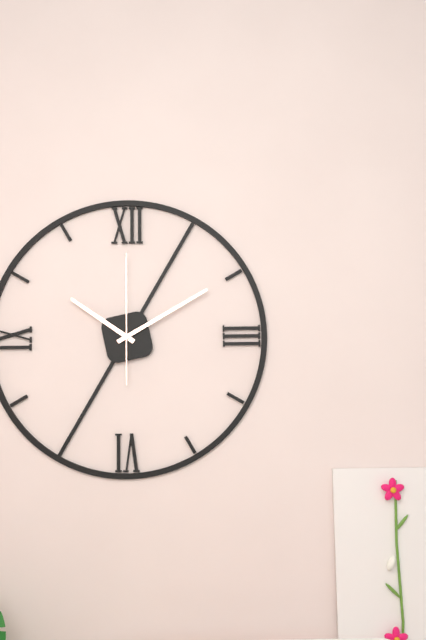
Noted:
10,10,00
